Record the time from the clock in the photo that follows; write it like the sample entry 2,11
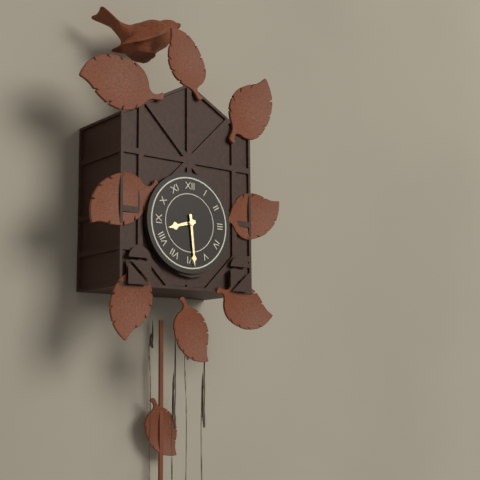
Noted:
8,29
